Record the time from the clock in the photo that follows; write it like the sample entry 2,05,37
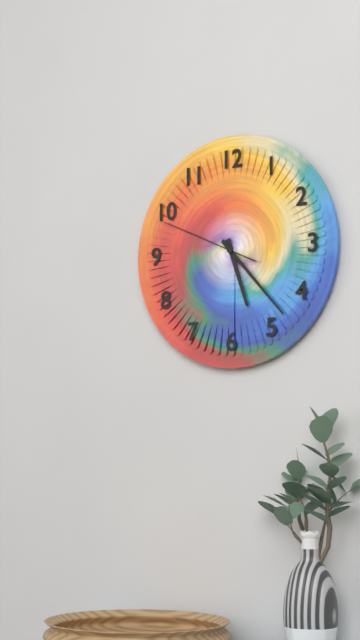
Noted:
5,23,49
